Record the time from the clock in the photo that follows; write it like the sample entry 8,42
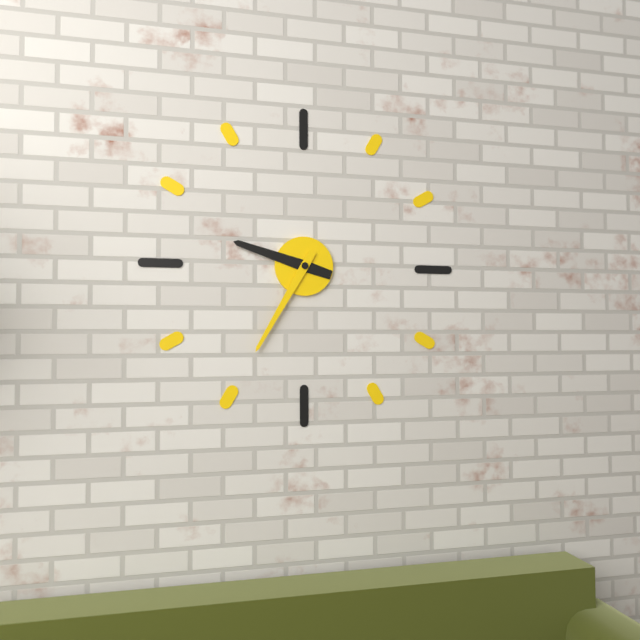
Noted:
9,35
